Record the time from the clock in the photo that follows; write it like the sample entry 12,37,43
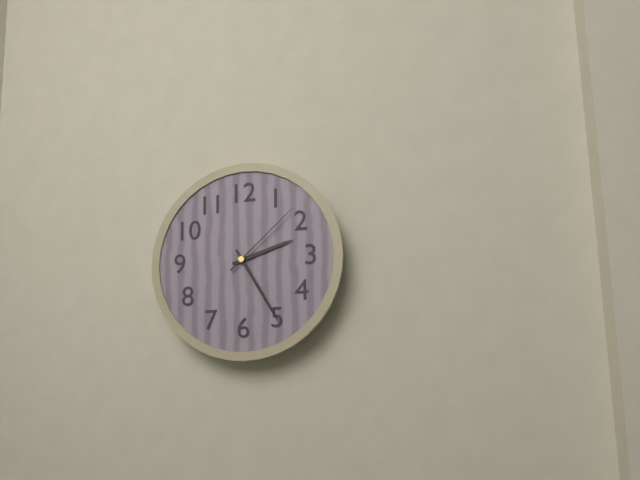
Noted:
2,25,08
